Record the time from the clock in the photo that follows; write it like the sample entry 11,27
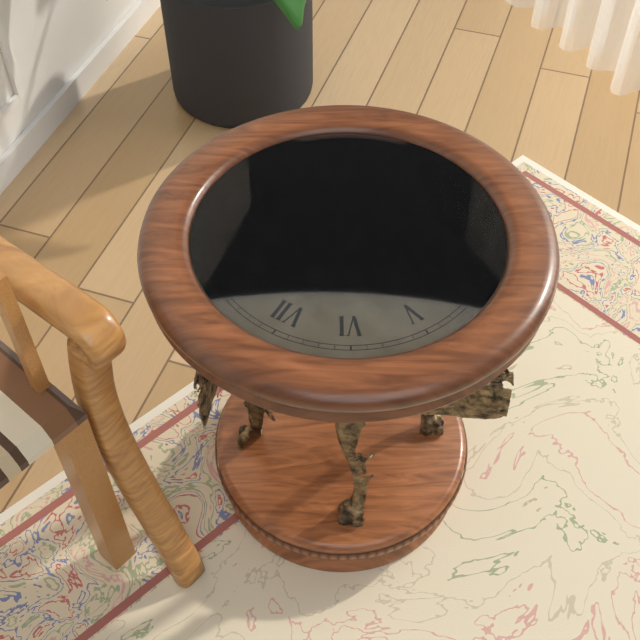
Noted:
2,25
